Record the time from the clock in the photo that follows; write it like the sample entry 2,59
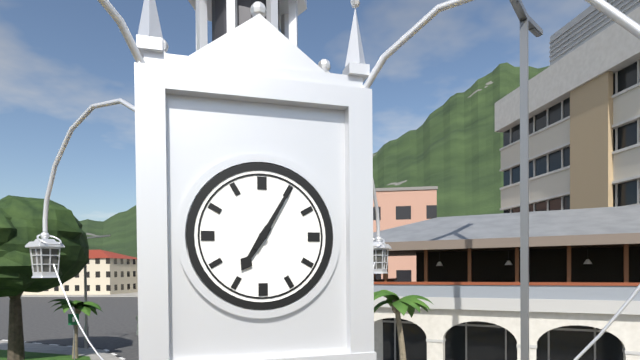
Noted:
7,05
